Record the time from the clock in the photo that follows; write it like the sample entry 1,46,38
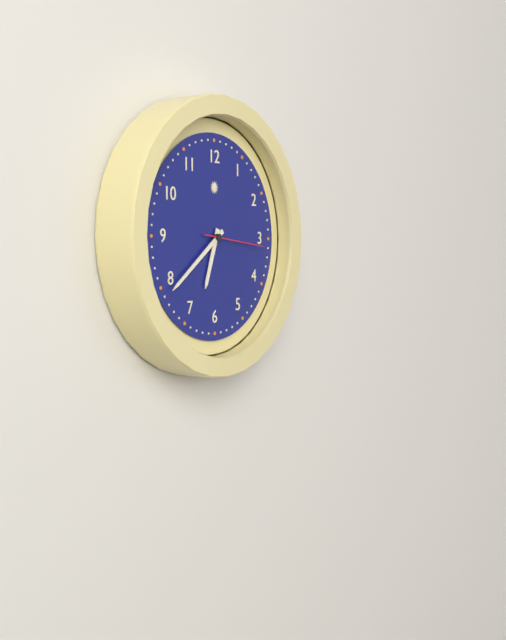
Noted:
6,39,16
